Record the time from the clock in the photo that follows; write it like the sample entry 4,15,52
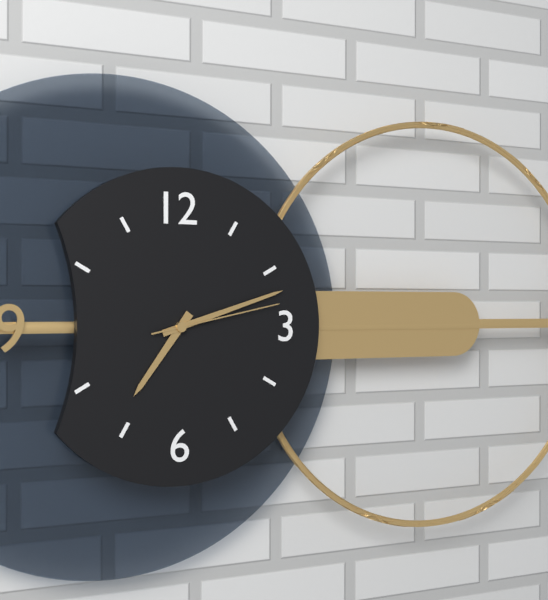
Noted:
7,12,13
